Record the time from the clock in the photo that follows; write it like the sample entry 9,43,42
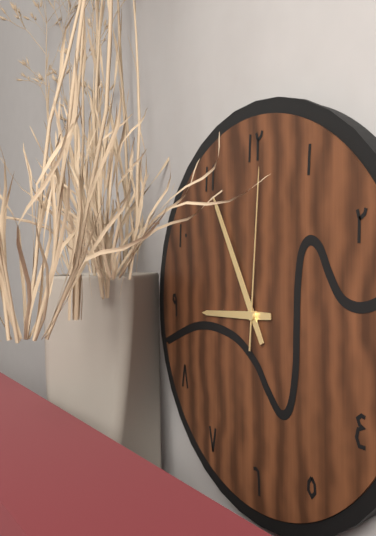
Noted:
8,55,01
